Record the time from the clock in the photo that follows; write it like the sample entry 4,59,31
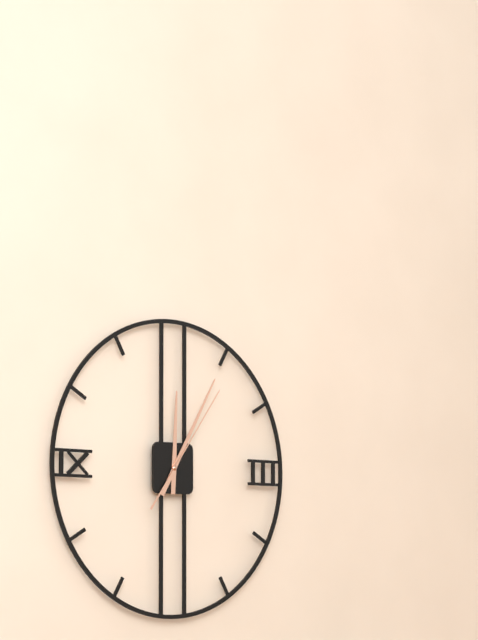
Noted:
12,05,06
